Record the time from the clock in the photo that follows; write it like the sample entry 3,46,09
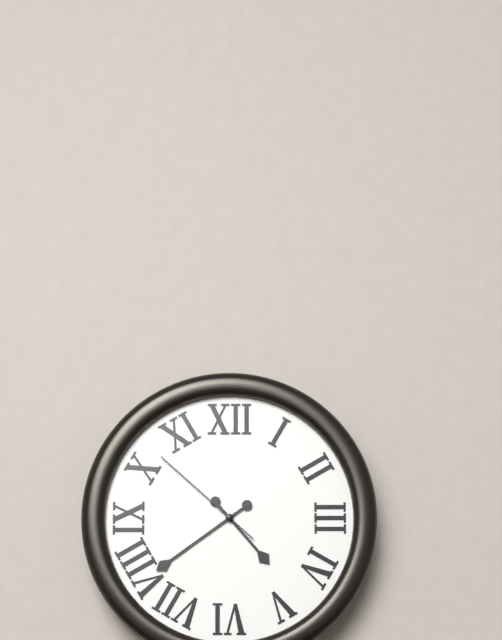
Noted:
4,39,52
